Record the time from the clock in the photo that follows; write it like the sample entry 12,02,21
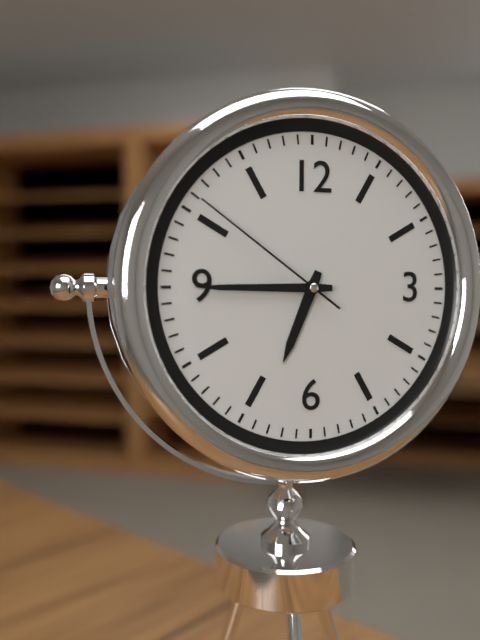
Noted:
6,45,51
